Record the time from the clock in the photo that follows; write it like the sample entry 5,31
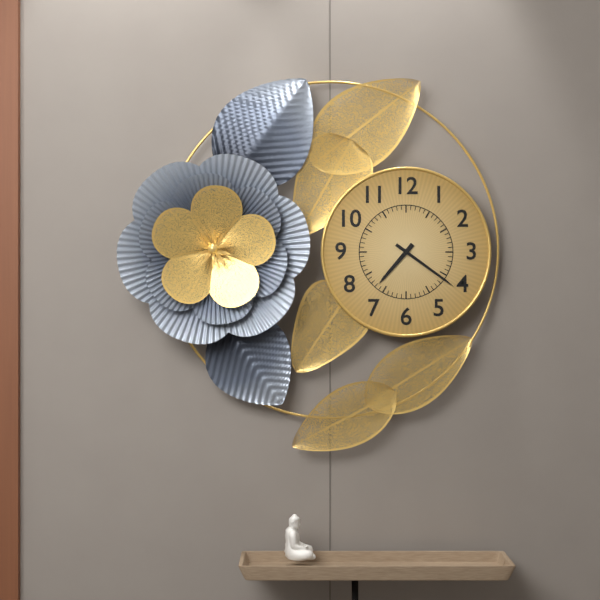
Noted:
7,21
